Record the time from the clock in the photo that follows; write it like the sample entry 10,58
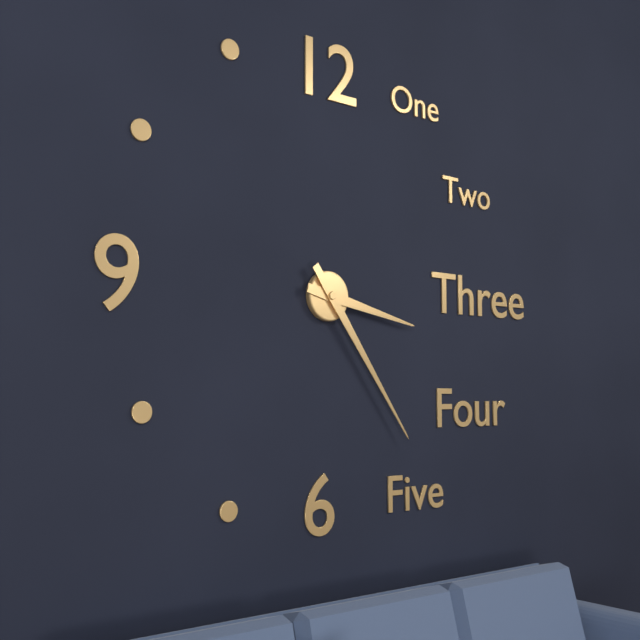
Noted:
3,24
